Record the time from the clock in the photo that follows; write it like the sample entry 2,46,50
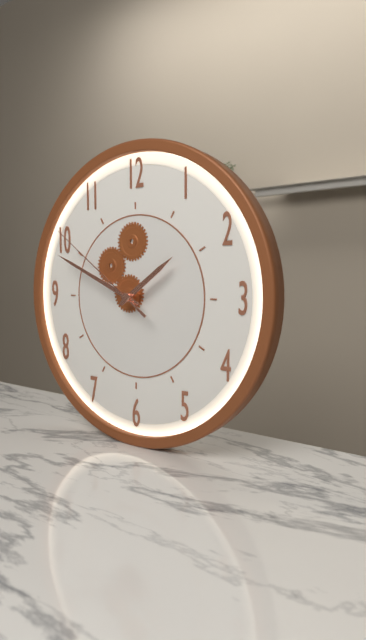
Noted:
1,49,51
